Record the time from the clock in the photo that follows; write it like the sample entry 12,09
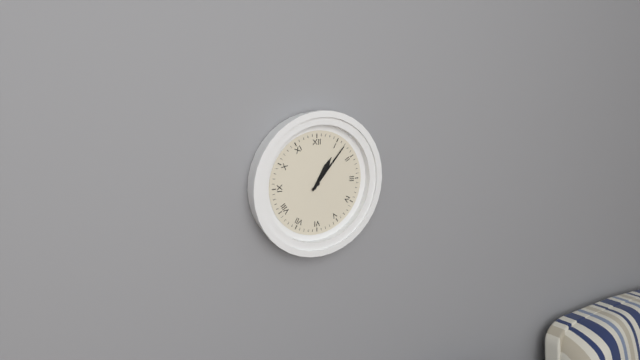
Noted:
1,07
